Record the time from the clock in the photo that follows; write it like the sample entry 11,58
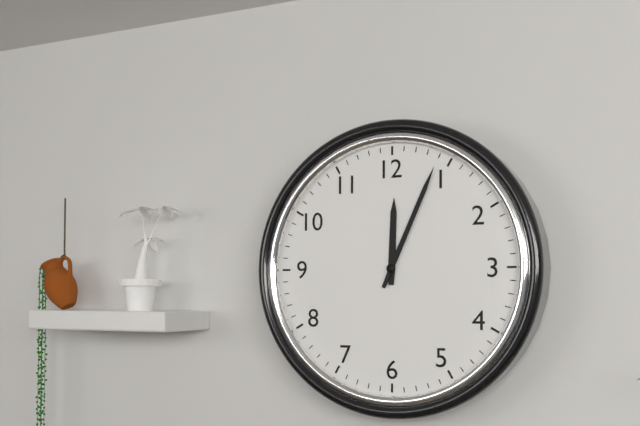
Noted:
12,04
